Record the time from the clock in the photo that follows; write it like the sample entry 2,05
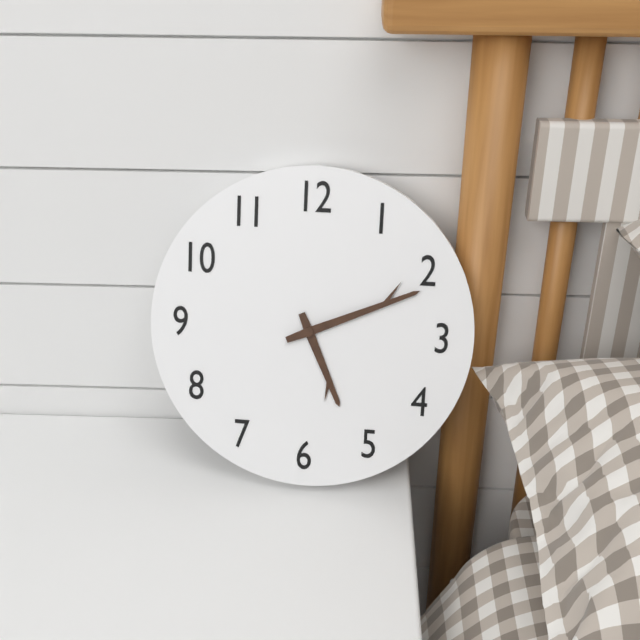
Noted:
5,11
